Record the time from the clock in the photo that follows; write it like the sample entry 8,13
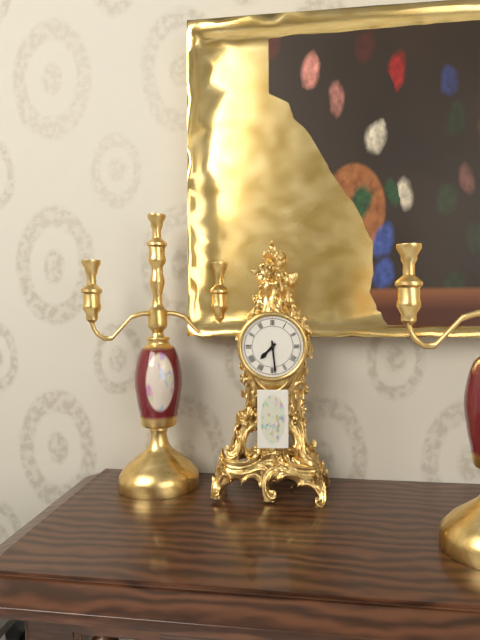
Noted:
7,29
